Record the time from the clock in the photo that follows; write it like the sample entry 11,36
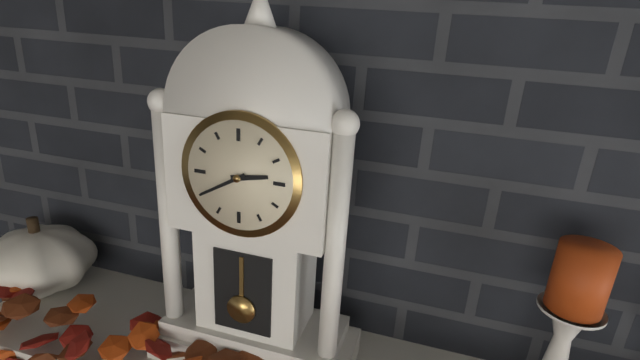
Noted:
2,40
